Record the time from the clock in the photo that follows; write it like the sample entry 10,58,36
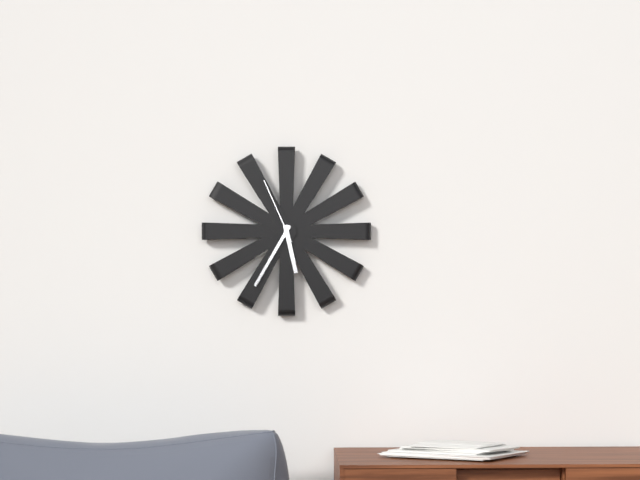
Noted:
5,35,56
